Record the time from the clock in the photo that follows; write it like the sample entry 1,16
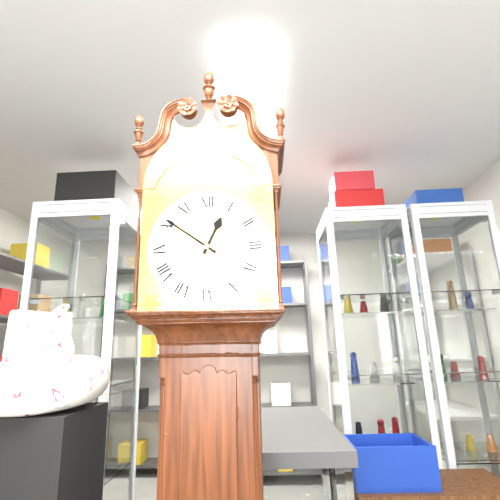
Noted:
12,51
